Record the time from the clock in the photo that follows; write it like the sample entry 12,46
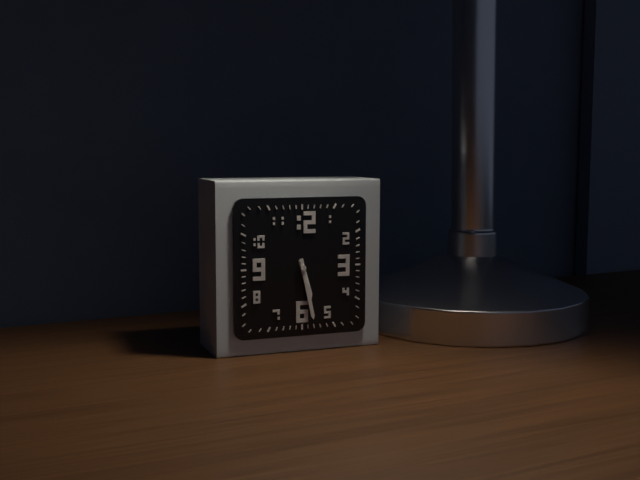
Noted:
5,28
